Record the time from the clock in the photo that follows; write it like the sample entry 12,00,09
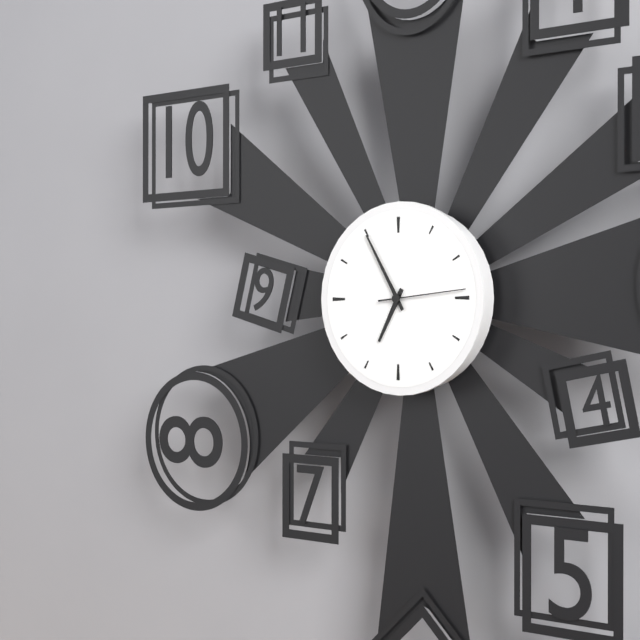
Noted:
6,55,14
